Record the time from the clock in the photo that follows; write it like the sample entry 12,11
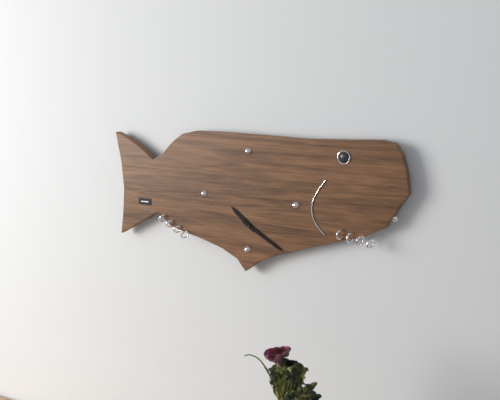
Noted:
10,20
